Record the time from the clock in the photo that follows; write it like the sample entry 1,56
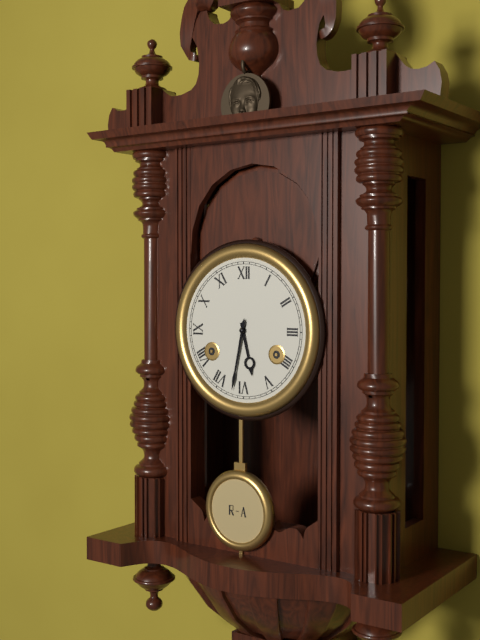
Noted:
5,32
